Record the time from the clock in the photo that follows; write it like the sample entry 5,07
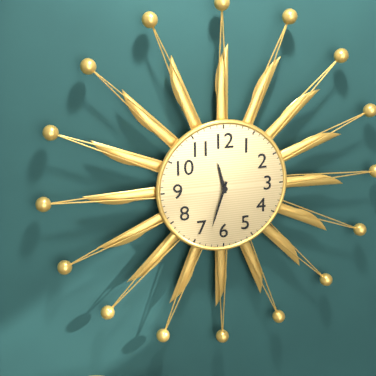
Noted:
11,33
